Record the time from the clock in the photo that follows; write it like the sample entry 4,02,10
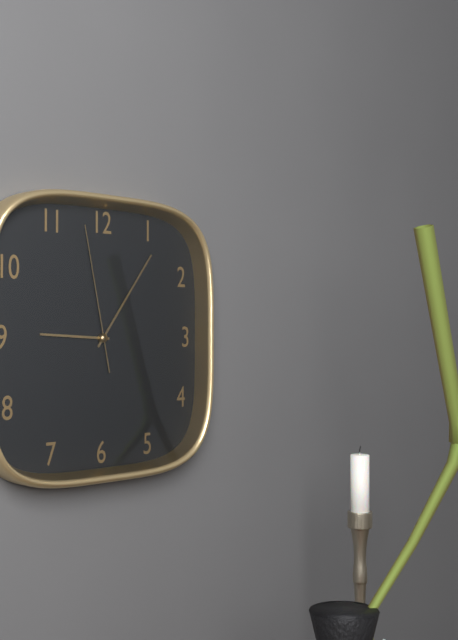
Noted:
9,06,58
